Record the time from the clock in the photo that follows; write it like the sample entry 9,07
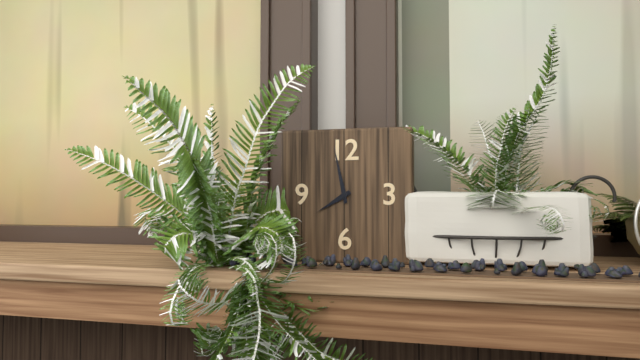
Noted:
7,58
